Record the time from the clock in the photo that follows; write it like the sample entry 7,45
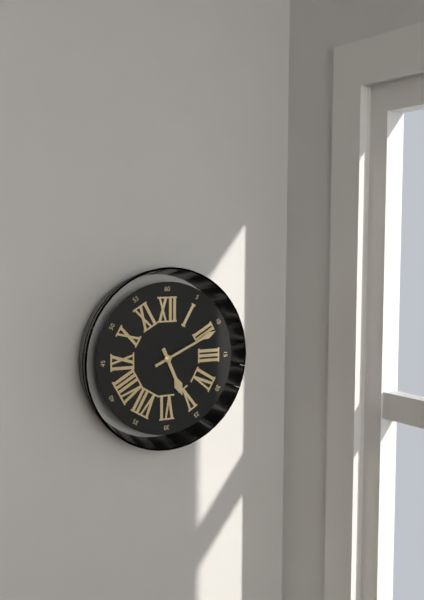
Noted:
5,11
